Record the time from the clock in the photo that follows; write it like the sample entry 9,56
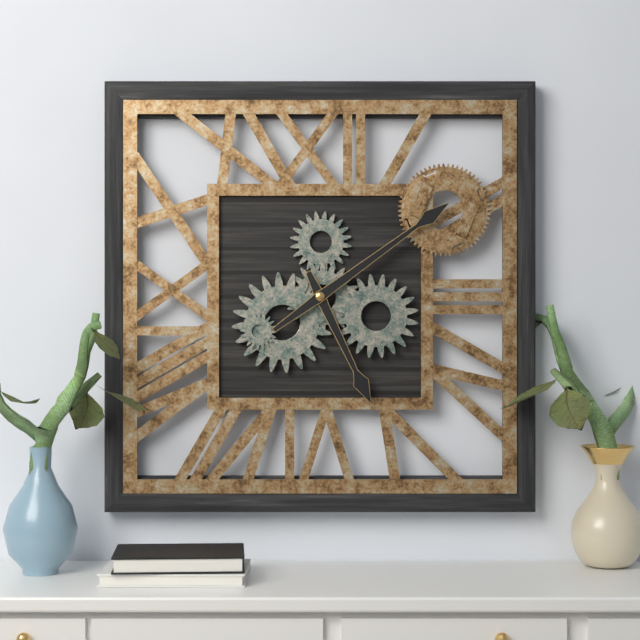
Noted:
5,09
